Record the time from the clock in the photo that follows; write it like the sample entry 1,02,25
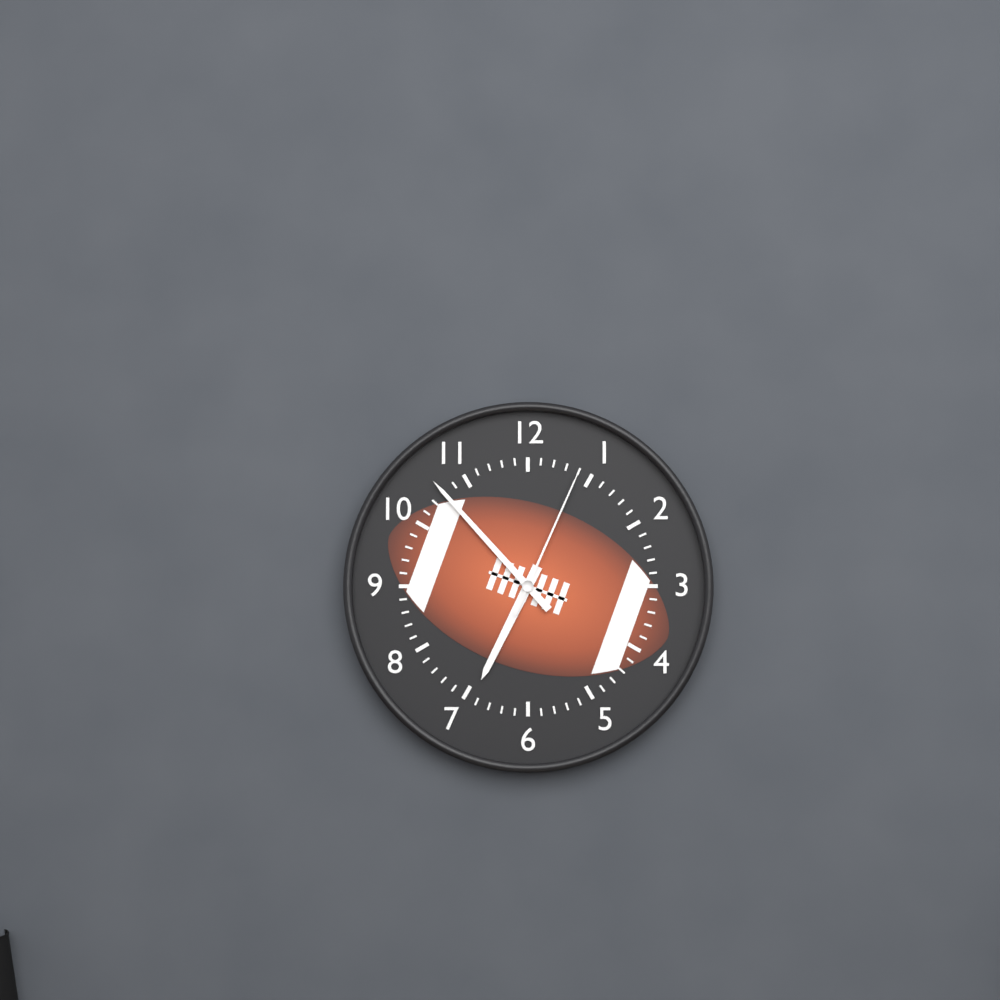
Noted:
6,53,04
